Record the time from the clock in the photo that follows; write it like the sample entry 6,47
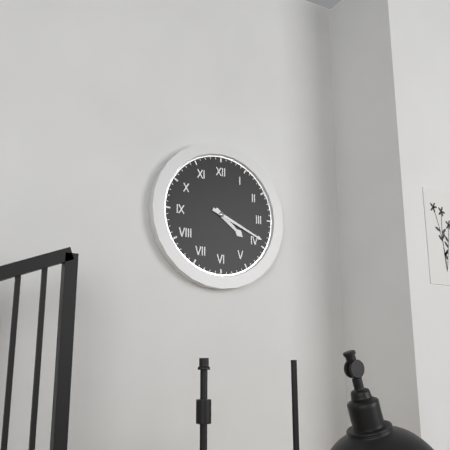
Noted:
4,19
